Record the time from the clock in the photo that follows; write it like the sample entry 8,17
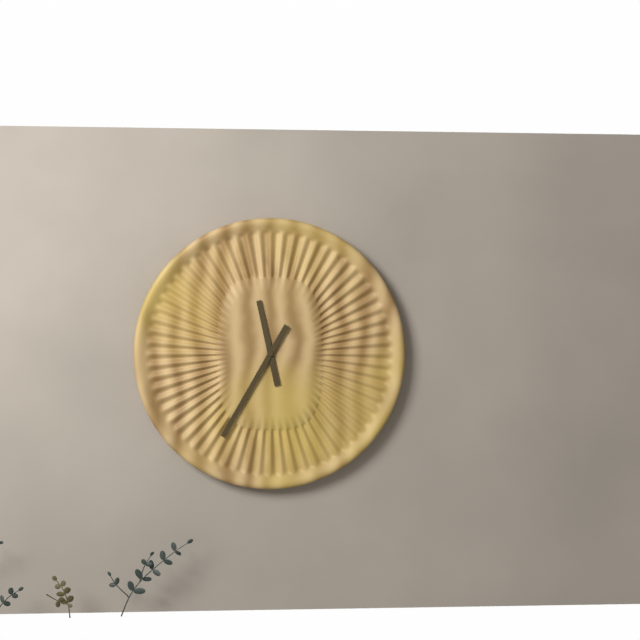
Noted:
11,35
